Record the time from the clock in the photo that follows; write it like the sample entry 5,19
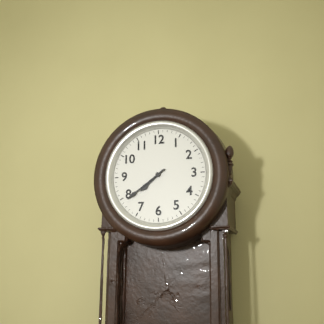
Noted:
7,39
